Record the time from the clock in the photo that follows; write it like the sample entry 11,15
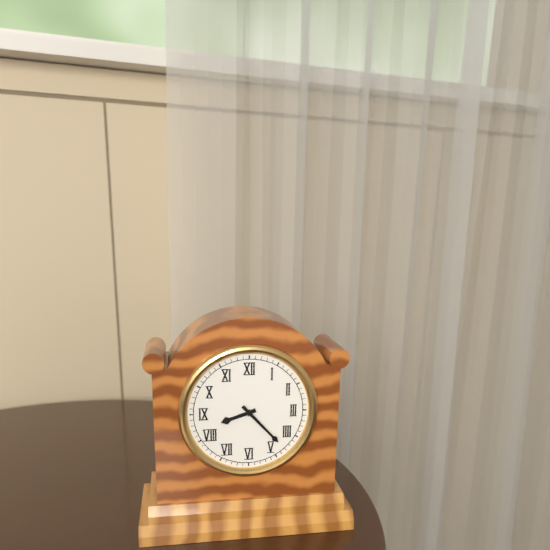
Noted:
8,23
